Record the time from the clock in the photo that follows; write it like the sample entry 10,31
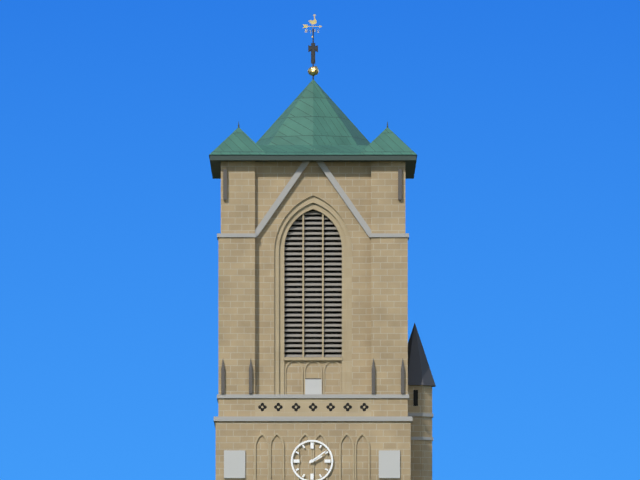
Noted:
2,09
